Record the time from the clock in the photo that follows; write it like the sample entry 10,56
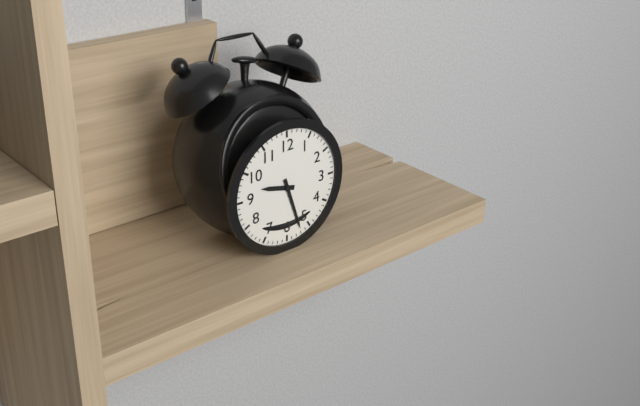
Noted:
9,27
